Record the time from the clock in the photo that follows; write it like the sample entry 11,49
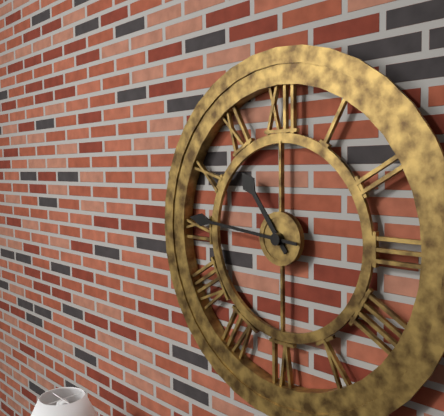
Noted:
10,46
